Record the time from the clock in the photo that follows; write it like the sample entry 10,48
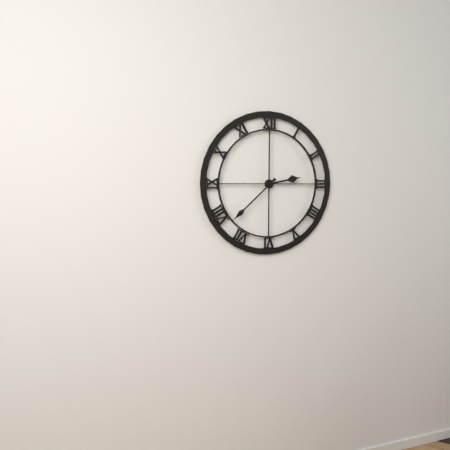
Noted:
2,38
